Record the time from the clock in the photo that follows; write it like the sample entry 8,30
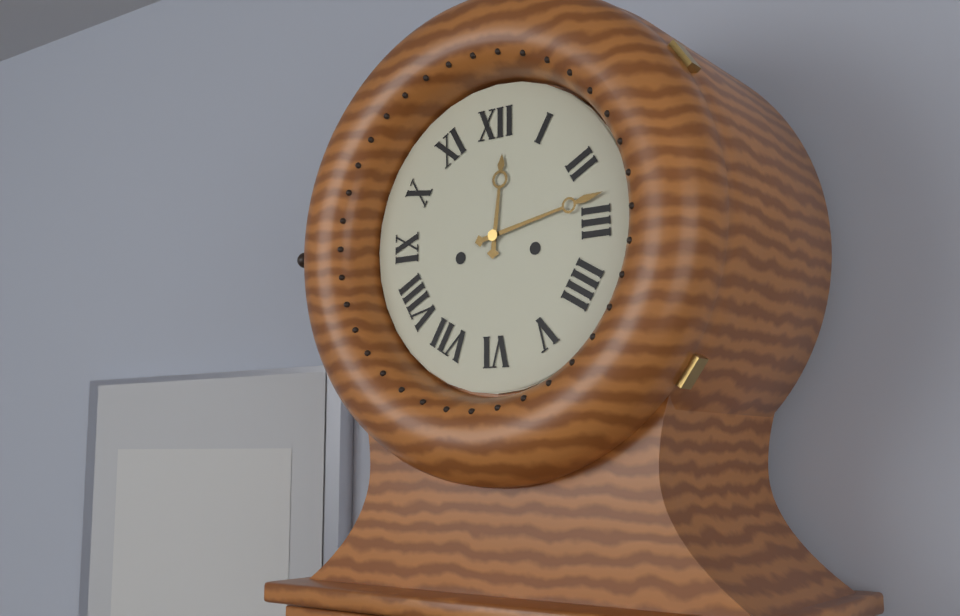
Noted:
12,13
